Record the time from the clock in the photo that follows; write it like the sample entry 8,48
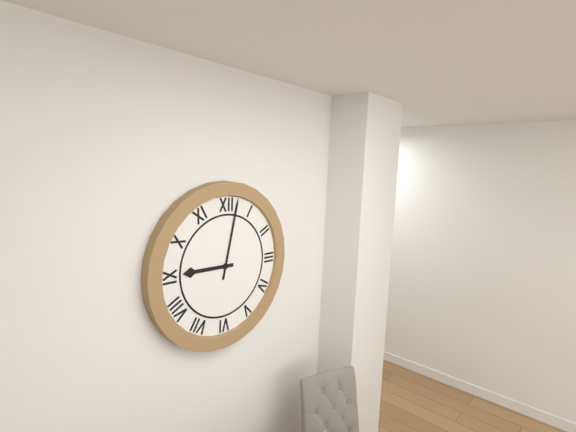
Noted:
9,02
